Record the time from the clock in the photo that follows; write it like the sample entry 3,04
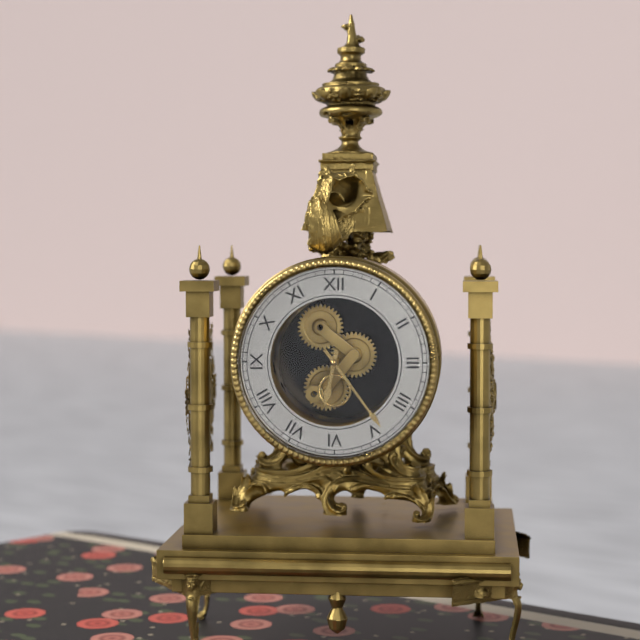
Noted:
6,24
